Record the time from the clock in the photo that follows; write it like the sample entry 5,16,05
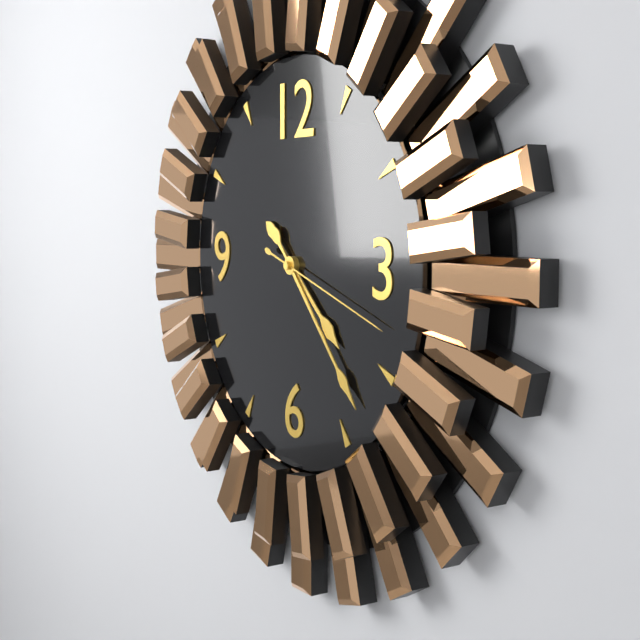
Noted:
4,23,18
